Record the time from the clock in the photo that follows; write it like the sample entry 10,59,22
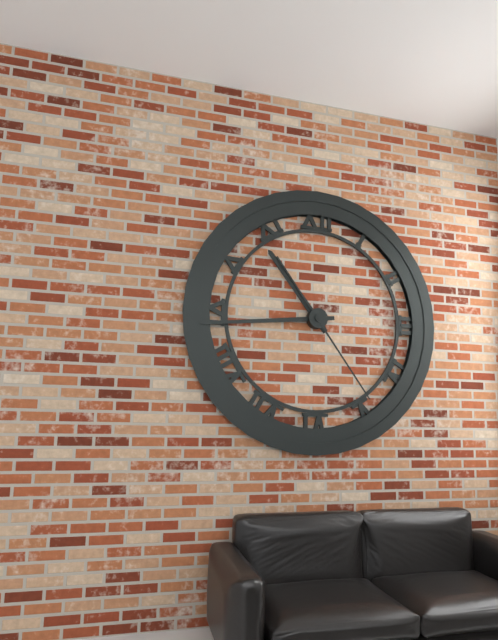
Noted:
10,44,24
